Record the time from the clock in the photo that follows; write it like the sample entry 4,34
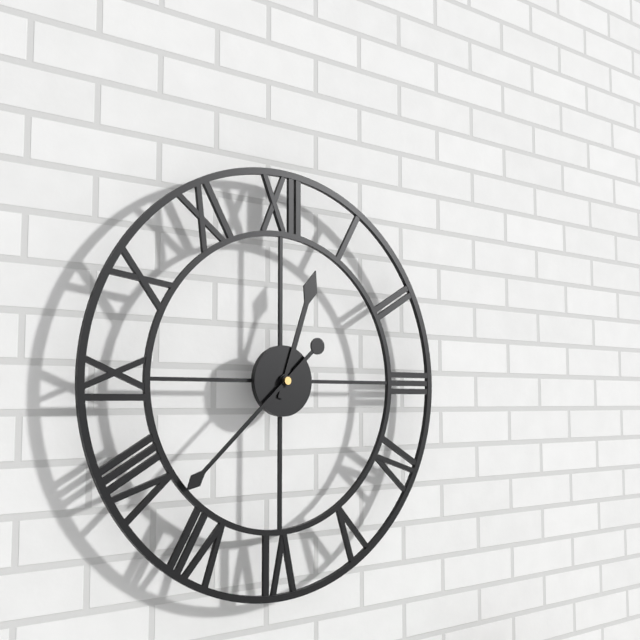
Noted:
12,38
